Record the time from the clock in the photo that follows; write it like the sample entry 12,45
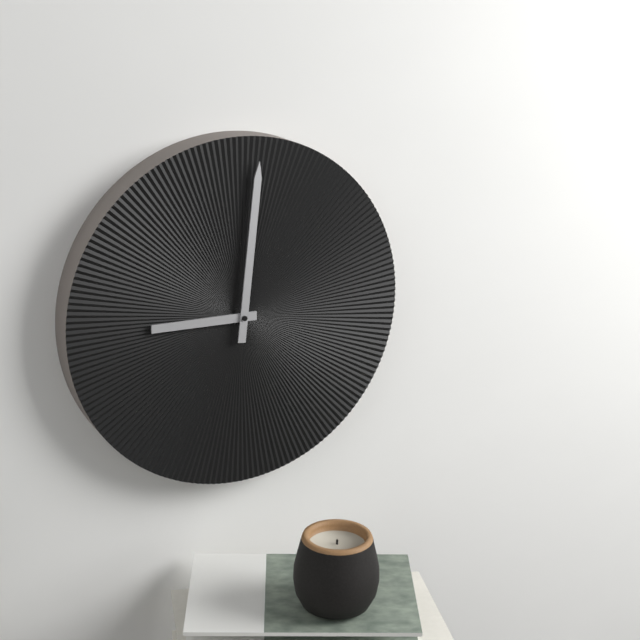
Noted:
9,01
